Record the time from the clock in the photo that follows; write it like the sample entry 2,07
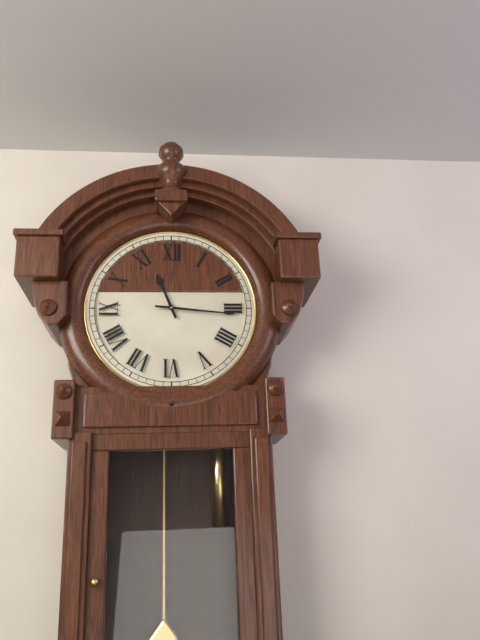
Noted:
11,16
